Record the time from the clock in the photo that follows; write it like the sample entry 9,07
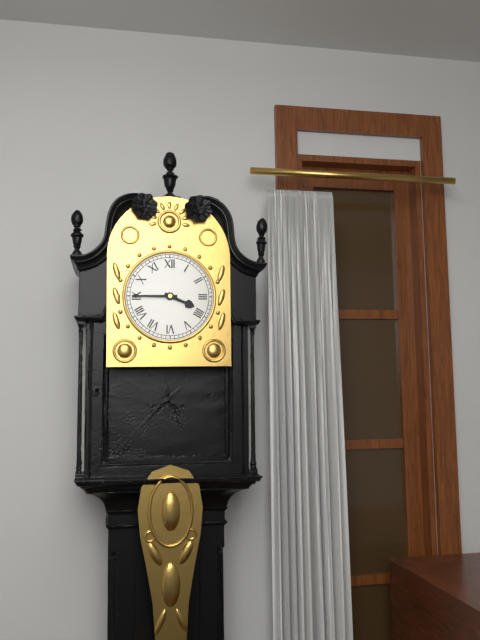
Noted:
3,45
